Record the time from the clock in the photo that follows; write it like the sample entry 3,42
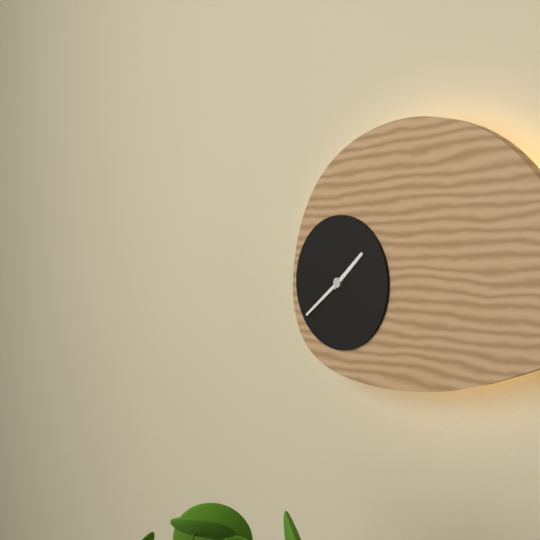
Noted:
1,39
